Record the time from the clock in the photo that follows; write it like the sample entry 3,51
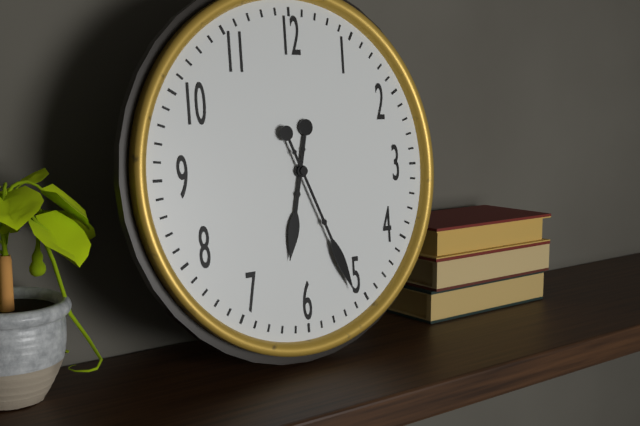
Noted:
6,26
